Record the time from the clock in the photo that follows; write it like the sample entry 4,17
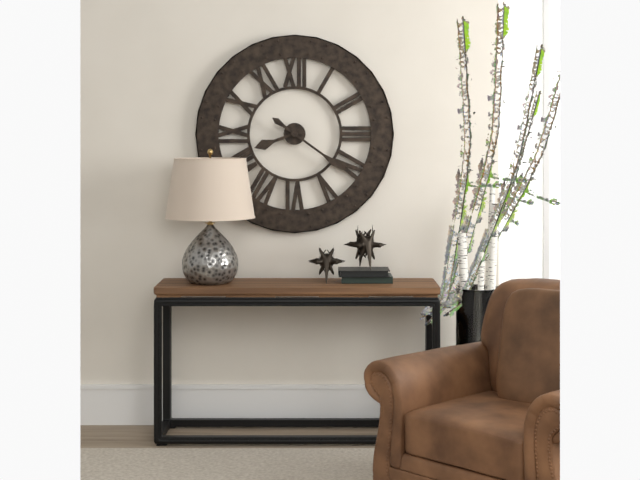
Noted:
8,21
